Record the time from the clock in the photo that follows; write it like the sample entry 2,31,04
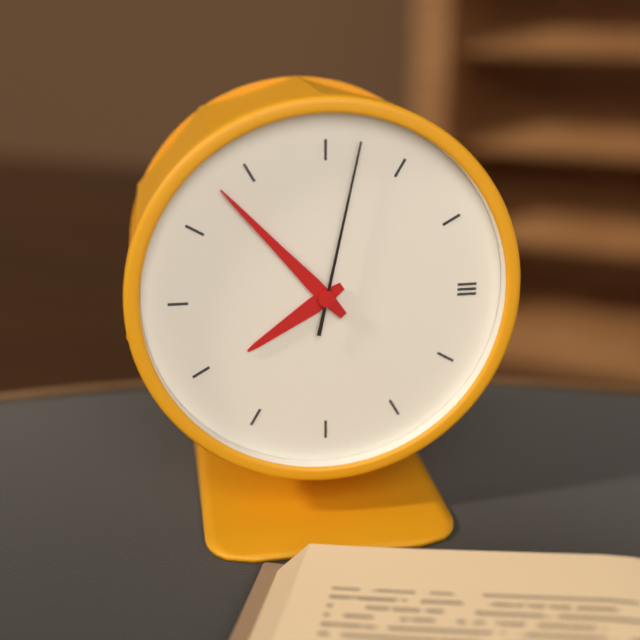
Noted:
7,53,02
